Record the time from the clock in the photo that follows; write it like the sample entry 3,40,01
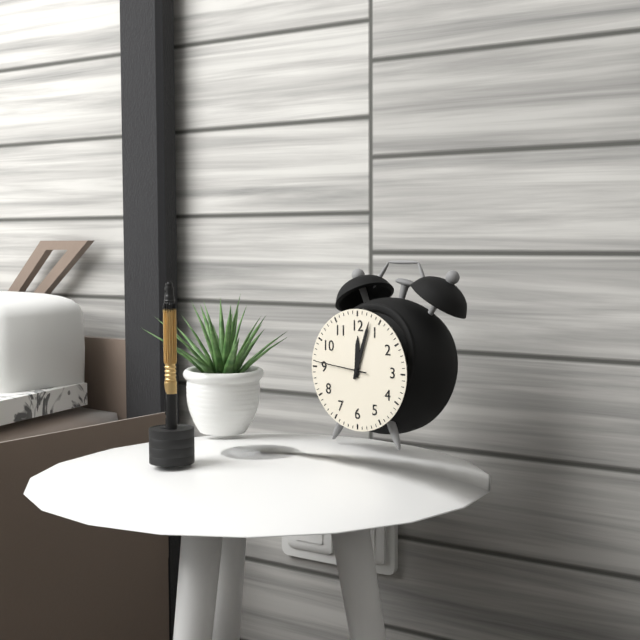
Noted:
12,03,46
